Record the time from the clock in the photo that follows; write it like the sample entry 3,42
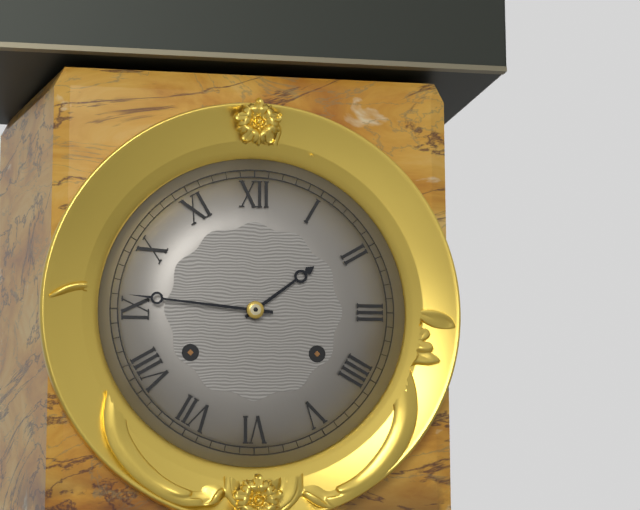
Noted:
1,46
